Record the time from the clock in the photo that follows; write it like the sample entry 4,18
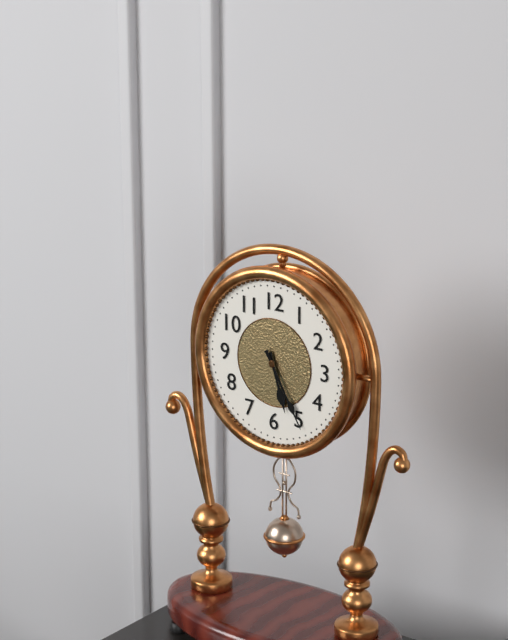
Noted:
5,25
